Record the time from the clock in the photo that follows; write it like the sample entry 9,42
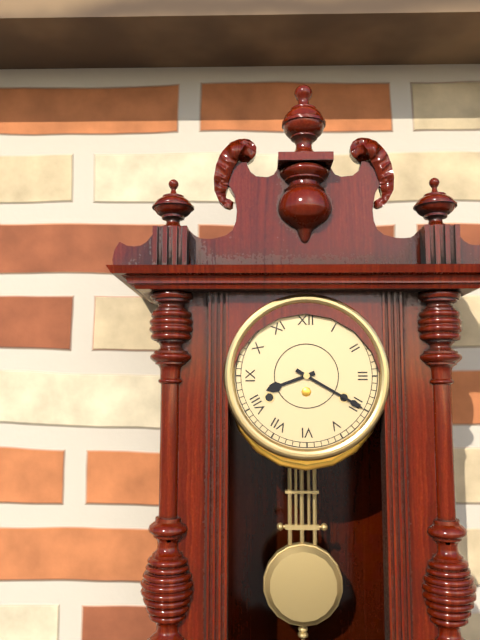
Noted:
8,20
